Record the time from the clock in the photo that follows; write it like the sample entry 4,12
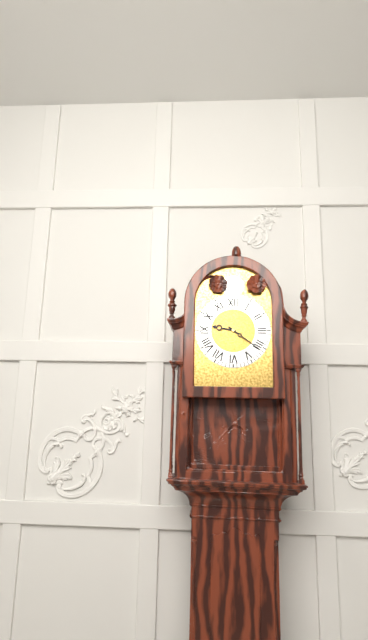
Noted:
9,21
